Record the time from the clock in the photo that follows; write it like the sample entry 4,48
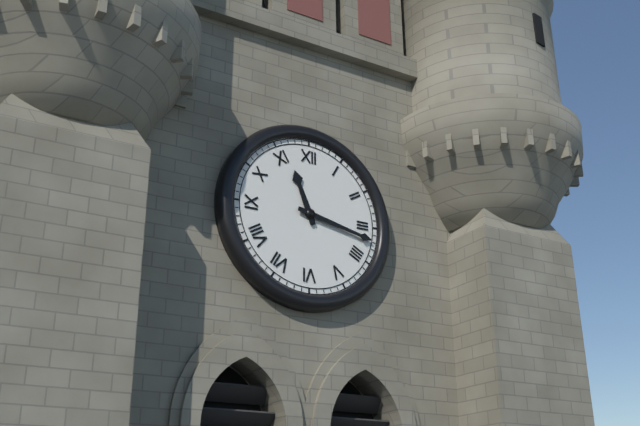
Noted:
11,17
